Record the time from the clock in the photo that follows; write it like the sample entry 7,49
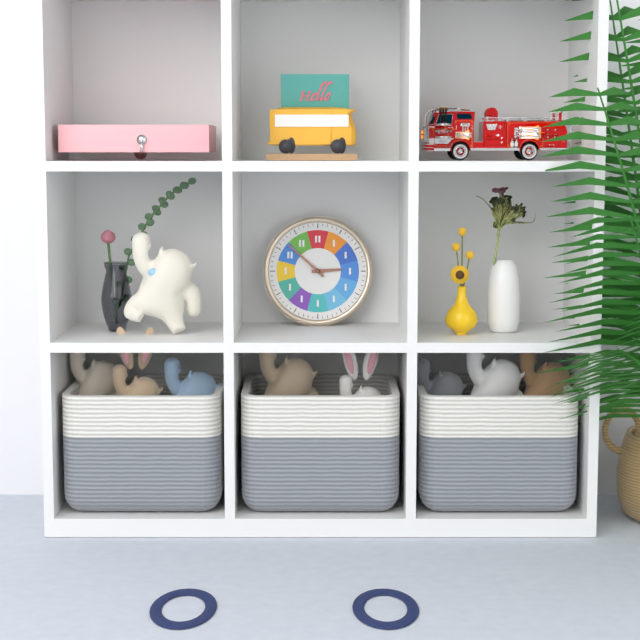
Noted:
2,52
